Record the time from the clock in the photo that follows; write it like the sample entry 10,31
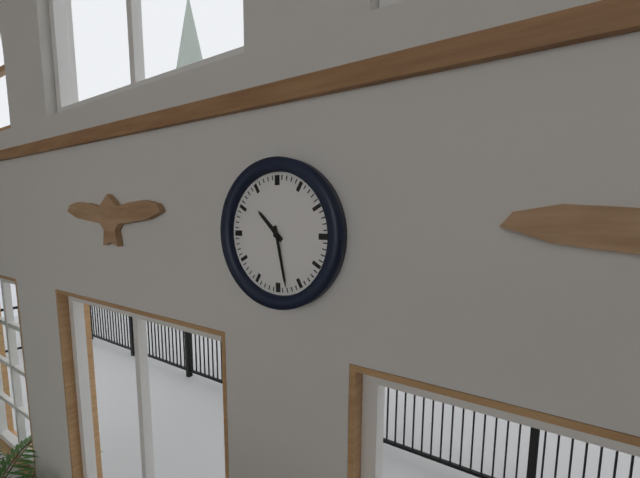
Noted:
10,28
